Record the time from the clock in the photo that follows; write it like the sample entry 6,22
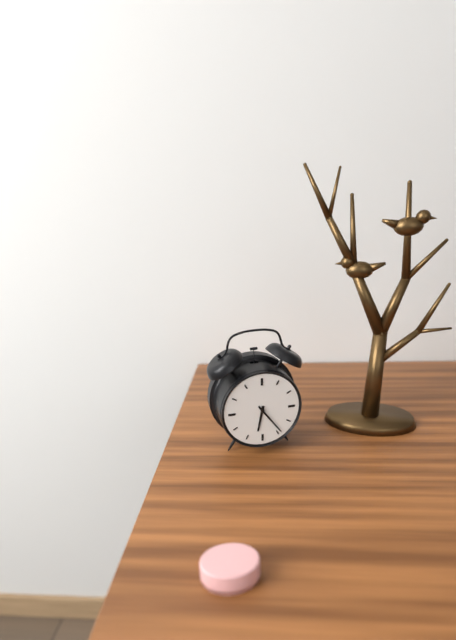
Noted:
6,24
